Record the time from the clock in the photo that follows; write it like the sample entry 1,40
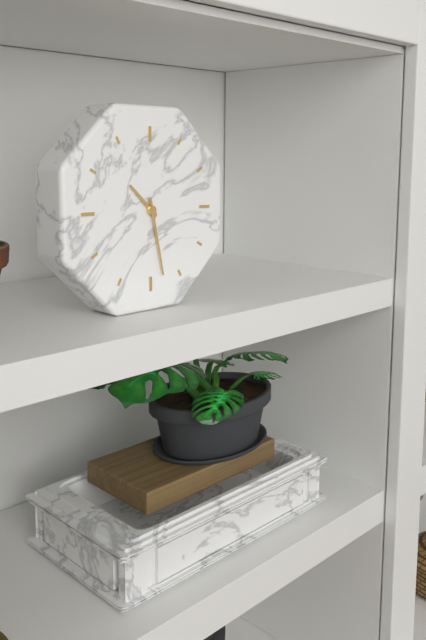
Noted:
10,28
